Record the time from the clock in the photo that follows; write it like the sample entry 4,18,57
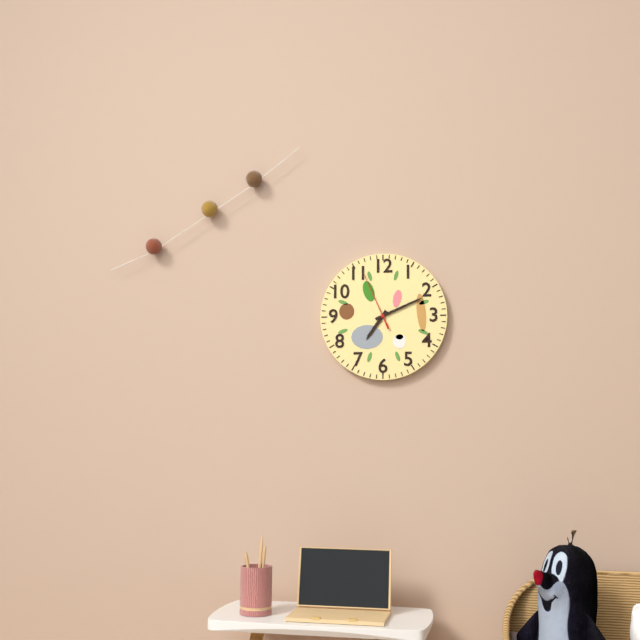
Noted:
7,11,56
